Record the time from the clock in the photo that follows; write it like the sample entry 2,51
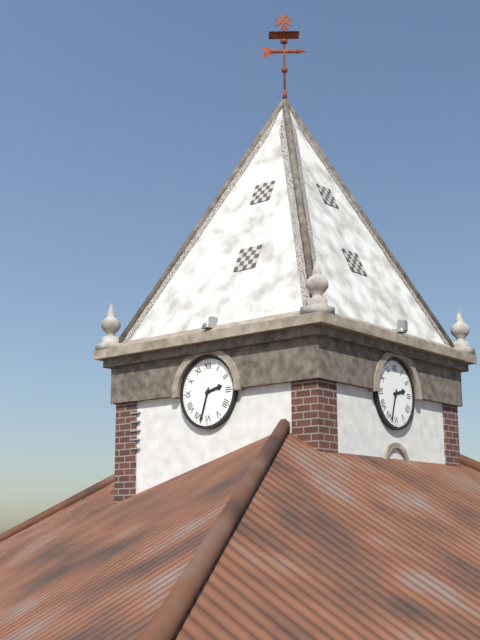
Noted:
2,33
